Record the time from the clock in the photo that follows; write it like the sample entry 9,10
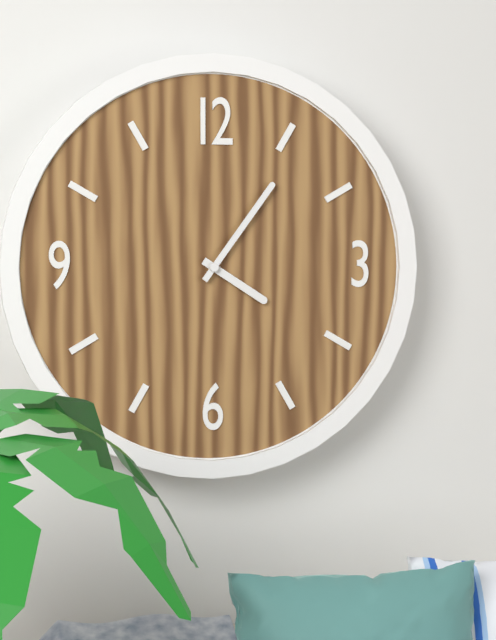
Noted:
4,06
